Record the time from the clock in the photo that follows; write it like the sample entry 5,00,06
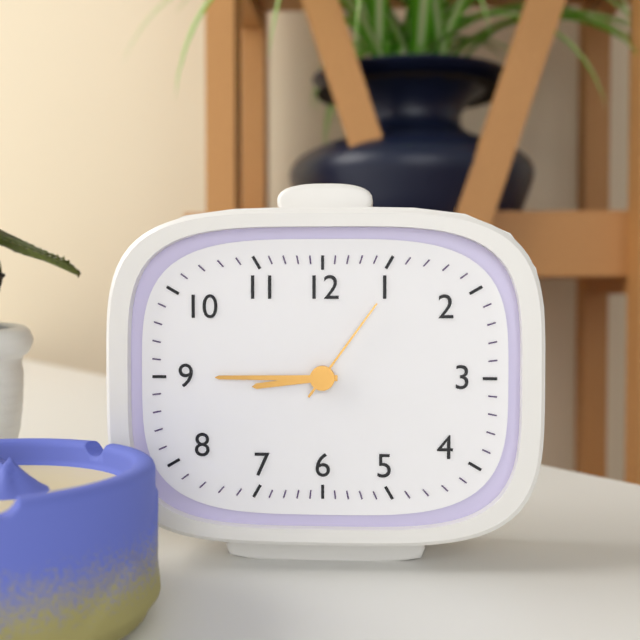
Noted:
8,45,06
